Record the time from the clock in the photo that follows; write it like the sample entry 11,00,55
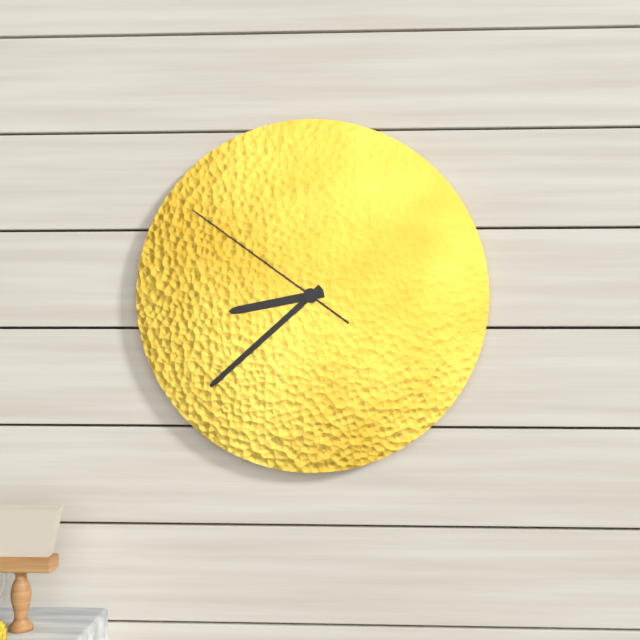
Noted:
8,38,51
